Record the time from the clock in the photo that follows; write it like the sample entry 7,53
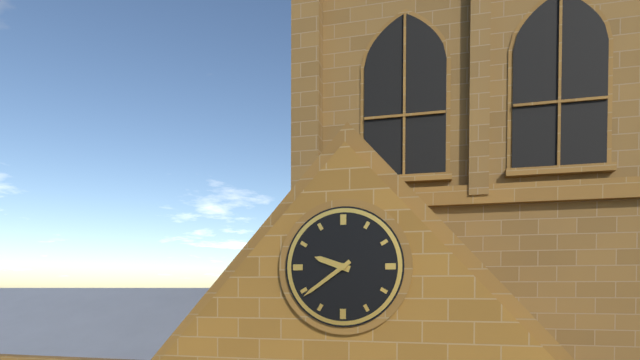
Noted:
9,39
